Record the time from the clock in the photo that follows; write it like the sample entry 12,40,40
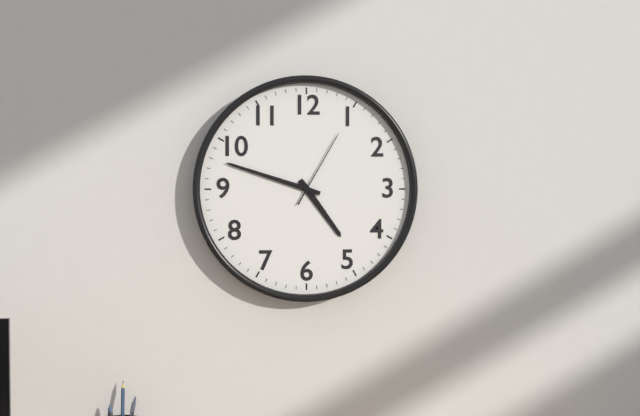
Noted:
4,48,05
